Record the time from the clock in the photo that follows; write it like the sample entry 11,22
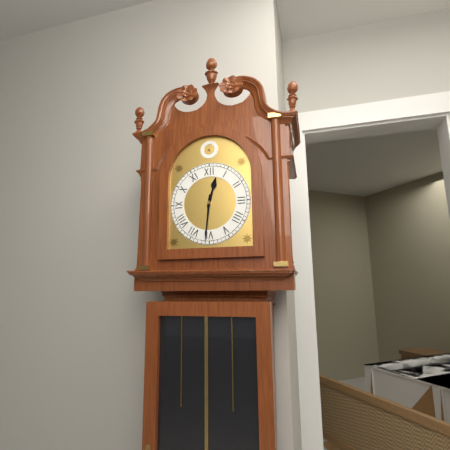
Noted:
12,31
